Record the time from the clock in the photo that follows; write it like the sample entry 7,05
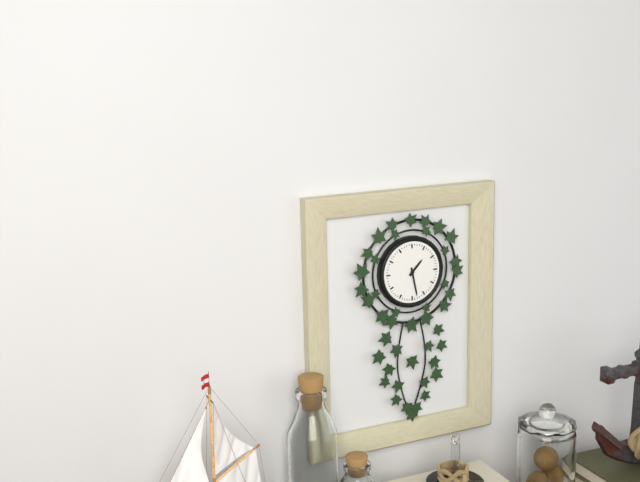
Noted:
1,28
